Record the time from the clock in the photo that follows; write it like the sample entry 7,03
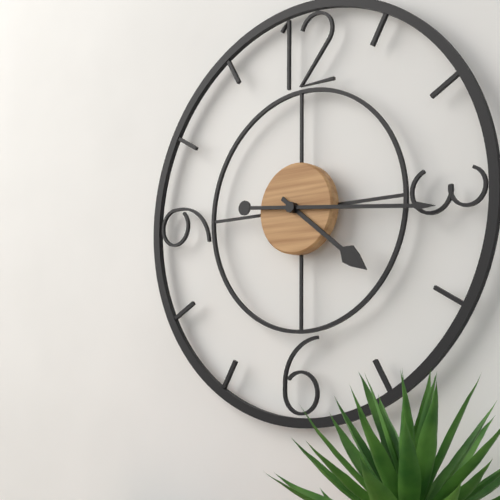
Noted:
4,16
